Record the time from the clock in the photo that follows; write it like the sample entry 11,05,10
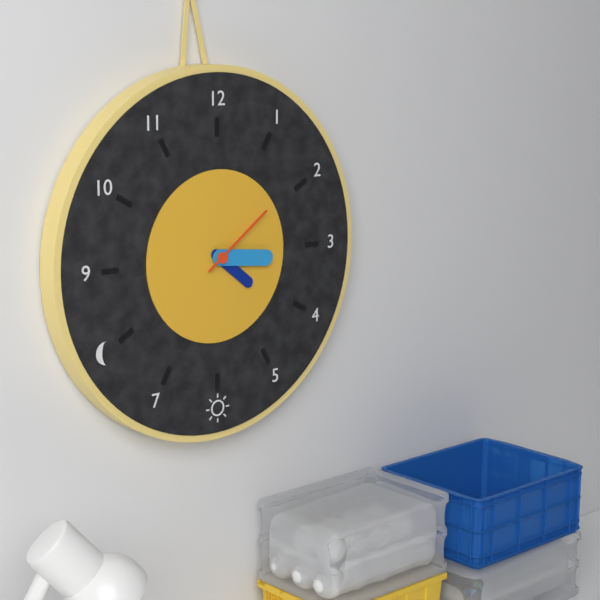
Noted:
4,16,09
